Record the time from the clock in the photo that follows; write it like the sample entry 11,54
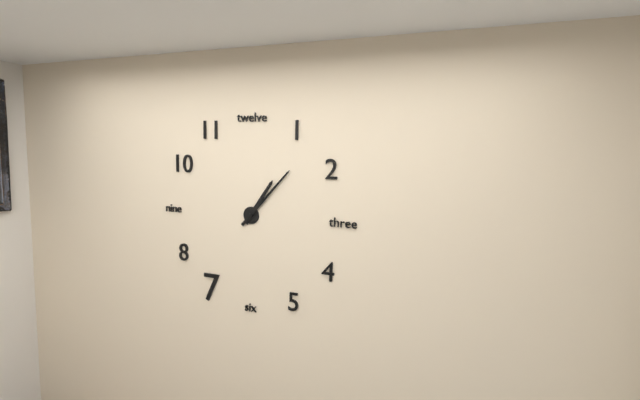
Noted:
1,07
